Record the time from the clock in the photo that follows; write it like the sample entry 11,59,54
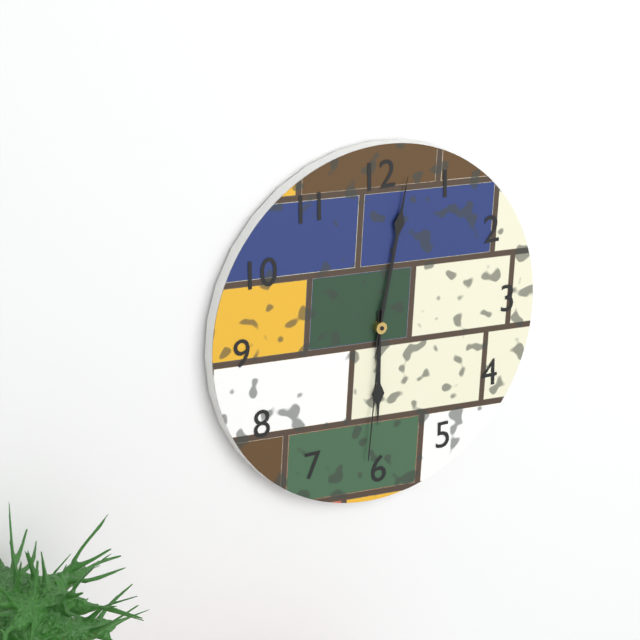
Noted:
6,02,31
